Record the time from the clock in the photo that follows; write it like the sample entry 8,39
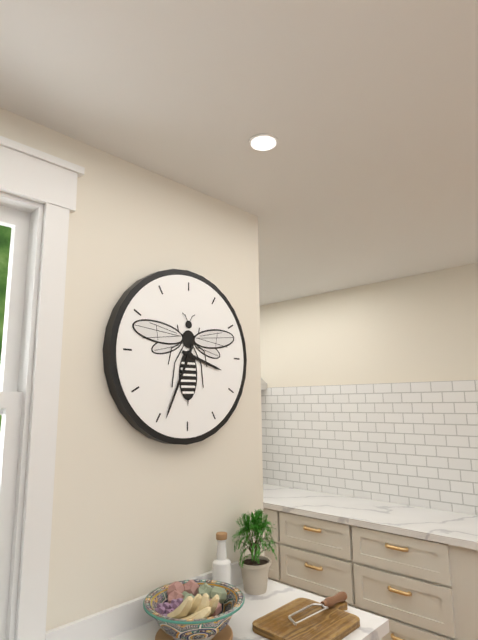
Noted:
3,34
